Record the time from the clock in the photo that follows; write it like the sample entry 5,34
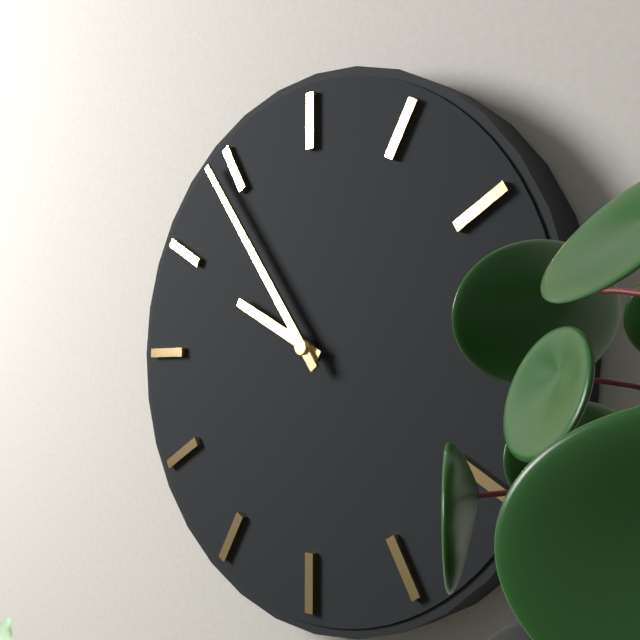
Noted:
9,54
